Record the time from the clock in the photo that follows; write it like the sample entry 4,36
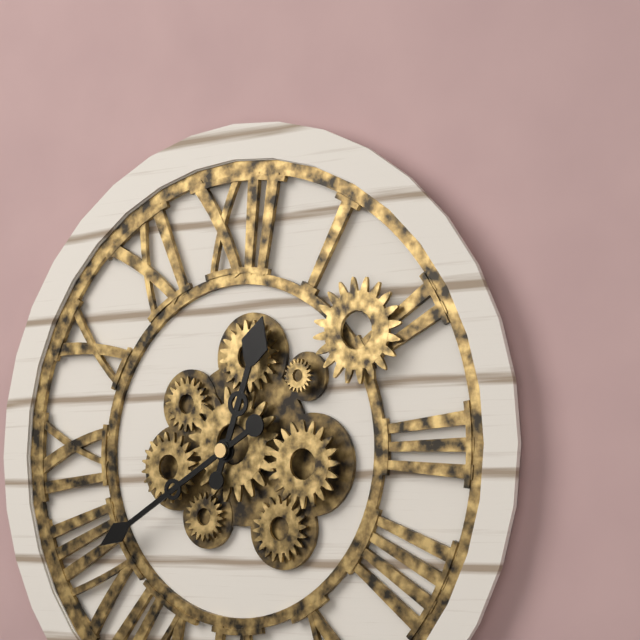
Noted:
12,40
